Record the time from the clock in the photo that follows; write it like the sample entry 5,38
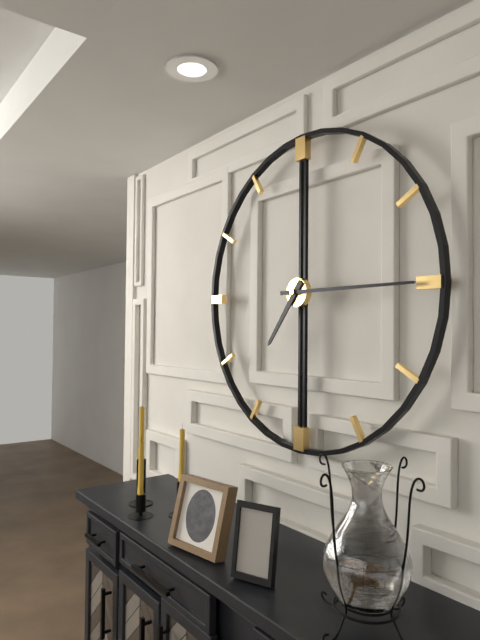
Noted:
7,15
